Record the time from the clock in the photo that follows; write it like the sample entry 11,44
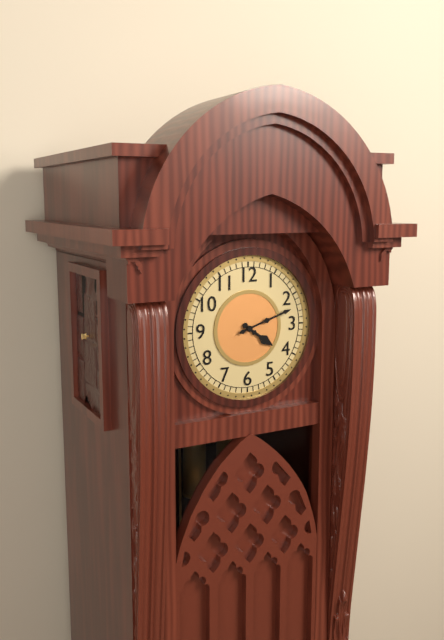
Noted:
4,12
